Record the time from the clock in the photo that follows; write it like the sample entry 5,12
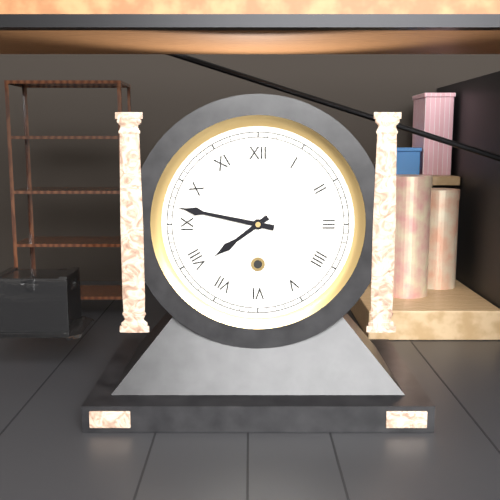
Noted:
7,47
